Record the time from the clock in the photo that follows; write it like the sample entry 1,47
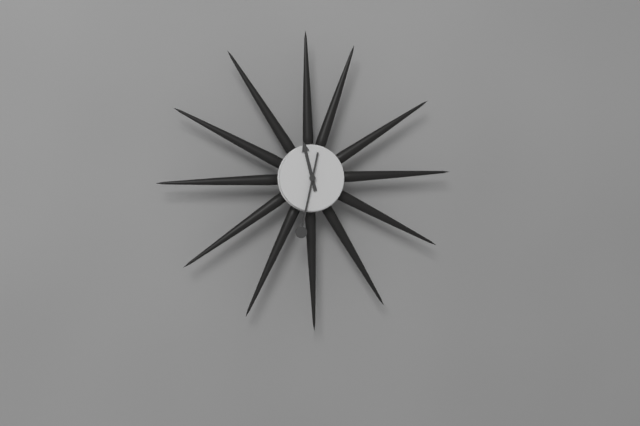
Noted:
11,32
